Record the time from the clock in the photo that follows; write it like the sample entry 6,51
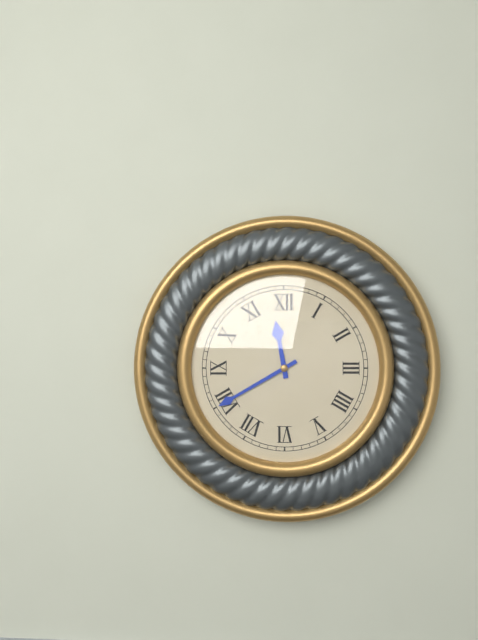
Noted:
11,40
